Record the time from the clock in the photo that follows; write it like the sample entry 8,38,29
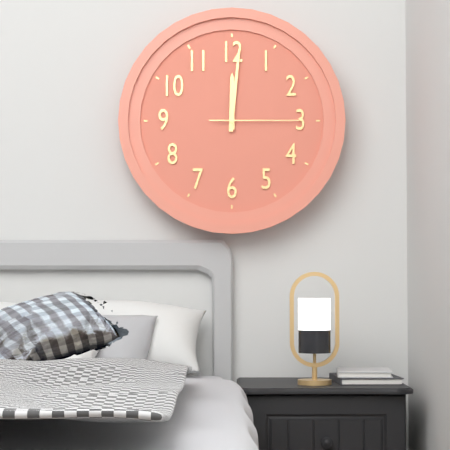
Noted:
12,01,15
